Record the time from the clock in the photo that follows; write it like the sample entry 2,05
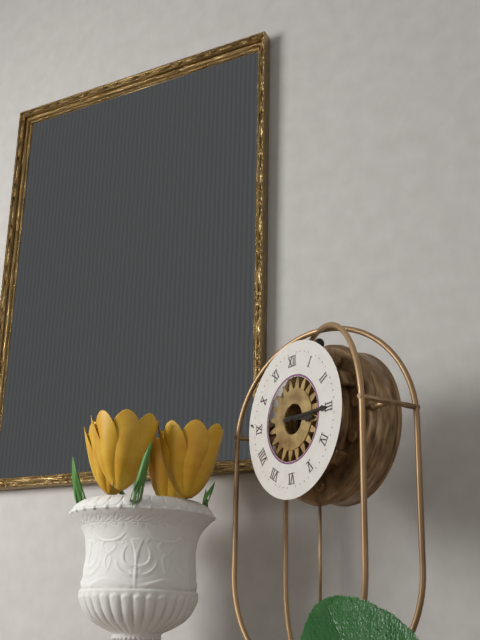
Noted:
3,15
